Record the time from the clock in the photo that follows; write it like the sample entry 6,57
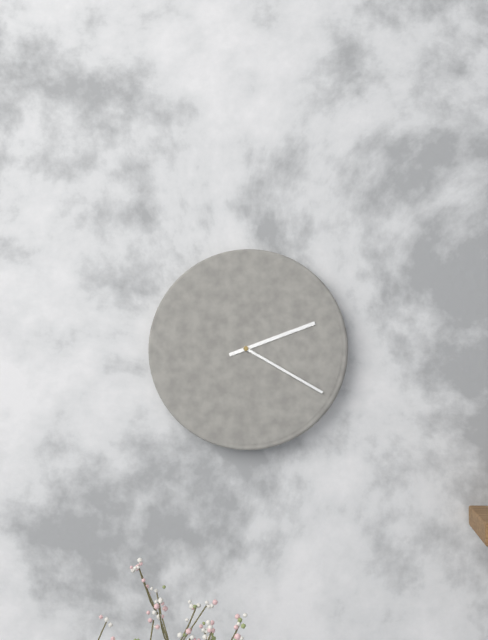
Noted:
2,20
